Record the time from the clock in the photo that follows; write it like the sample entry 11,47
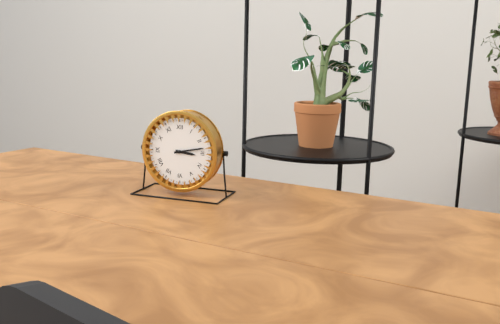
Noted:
3,13
